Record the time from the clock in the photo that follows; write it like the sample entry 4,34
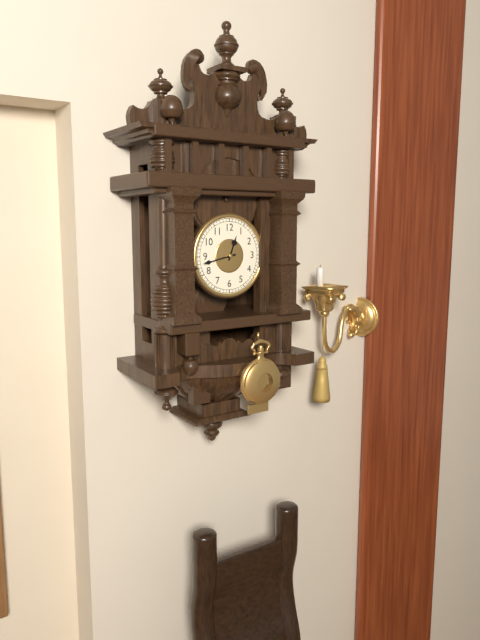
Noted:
12,43
